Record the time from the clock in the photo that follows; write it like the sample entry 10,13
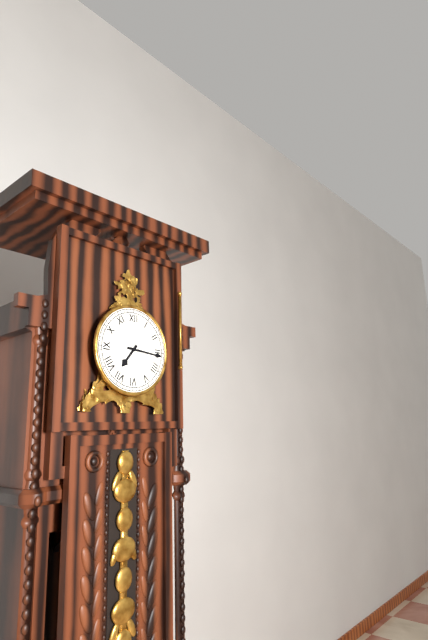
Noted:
7,16
